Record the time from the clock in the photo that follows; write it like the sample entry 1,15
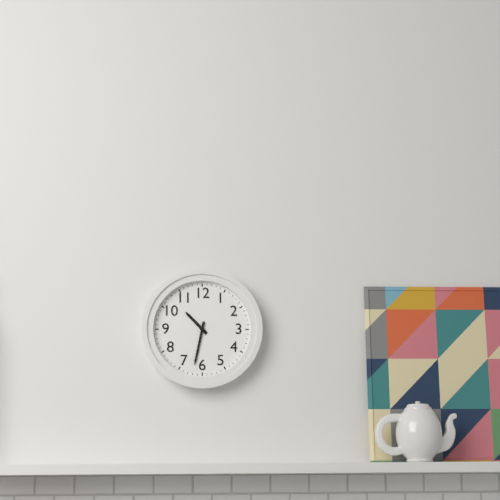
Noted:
10,32
